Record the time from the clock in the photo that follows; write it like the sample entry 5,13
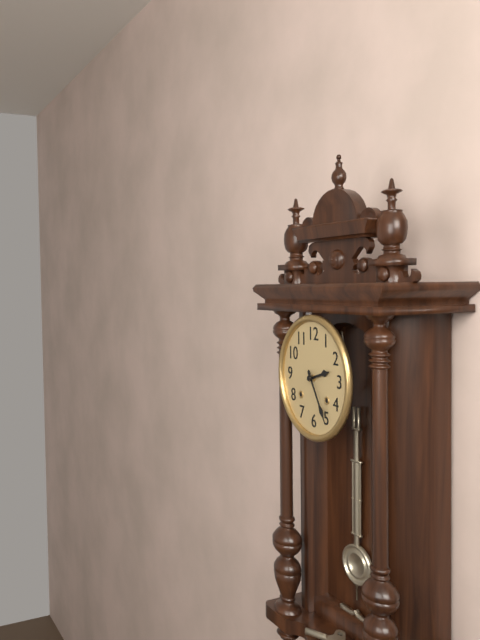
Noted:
2,25
